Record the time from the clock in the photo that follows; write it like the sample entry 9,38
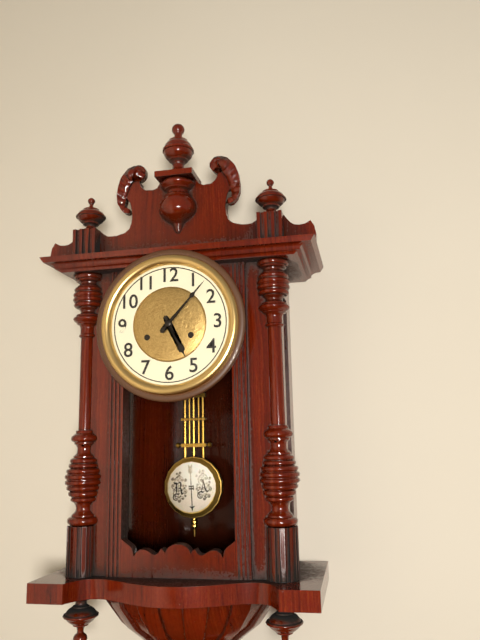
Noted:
5,07
